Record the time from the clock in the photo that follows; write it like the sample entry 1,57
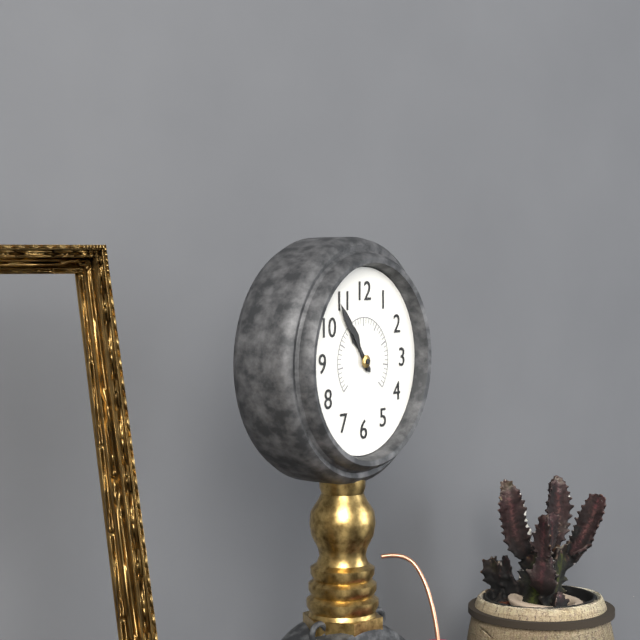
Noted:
10,54
